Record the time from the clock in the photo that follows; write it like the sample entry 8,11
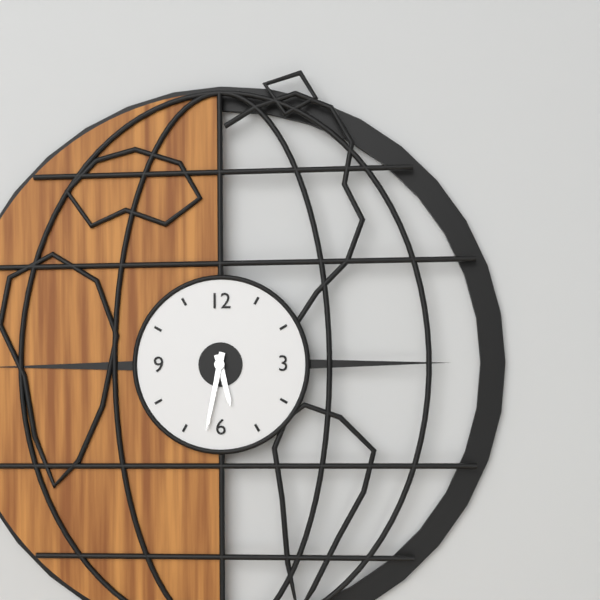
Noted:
5,32
